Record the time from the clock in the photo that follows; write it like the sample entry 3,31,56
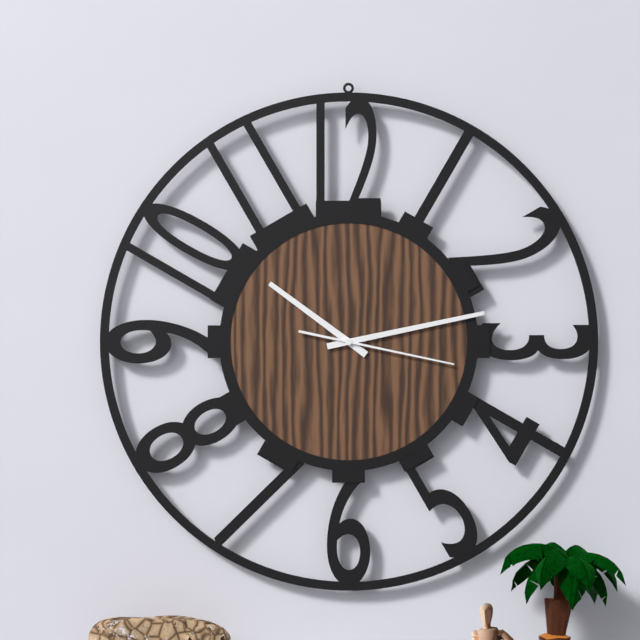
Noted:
10,13,17
